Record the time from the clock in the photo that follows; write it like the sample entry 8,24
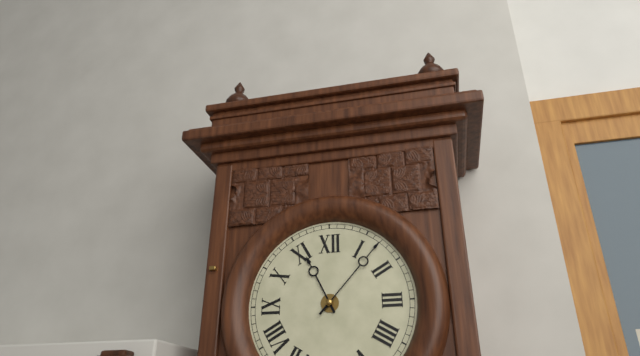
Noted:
11,07
